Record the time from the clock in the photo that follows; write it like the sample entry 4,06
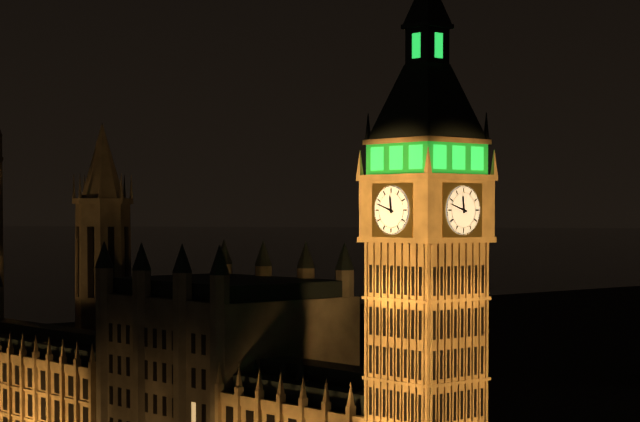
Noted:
11,48
